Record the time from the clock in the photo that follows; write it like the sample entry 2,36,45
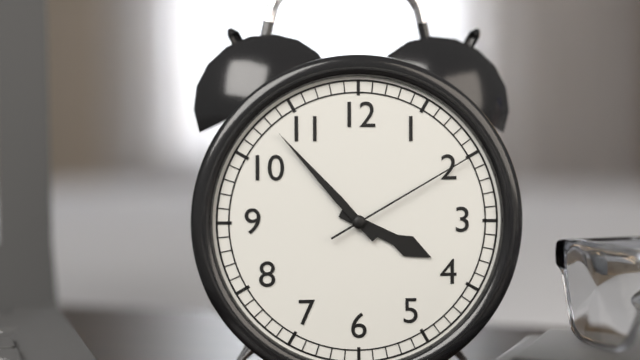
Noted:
3,53,10
